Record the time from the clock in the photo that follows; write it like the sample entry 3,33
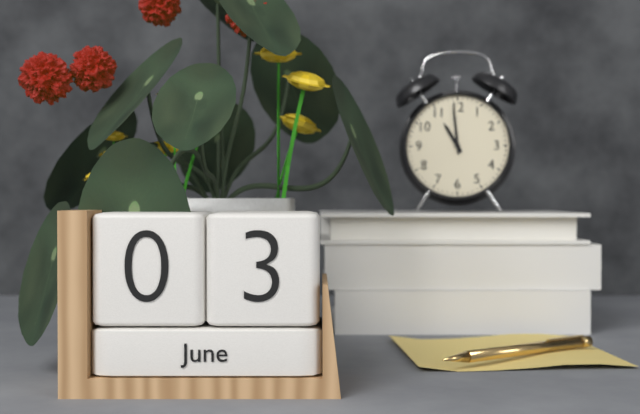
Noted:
10,59
